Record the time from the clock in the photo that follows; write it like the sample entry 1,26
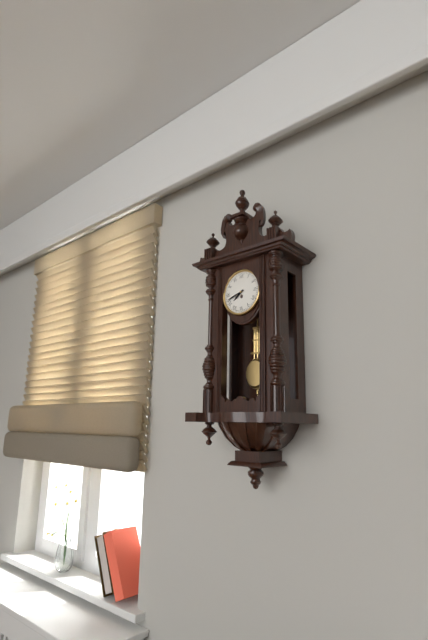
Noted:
7,42
